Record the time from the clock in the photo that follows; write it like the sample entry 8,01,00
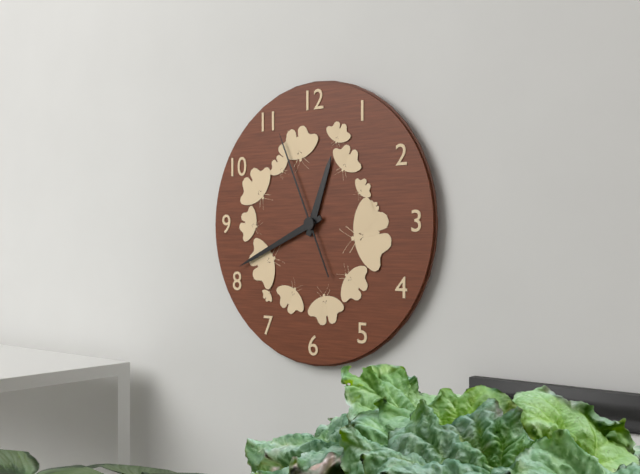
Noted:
12,41,56
